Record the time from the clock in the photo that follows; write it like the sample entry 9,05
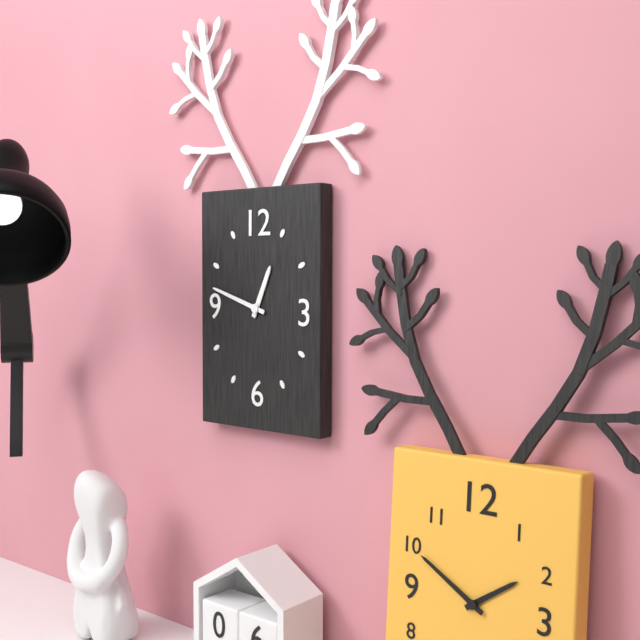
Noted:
12,48
